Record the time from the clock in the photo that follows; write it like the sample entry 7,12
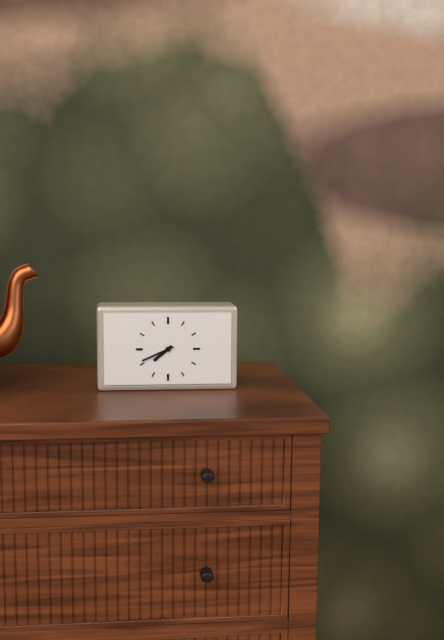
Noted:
7,41
